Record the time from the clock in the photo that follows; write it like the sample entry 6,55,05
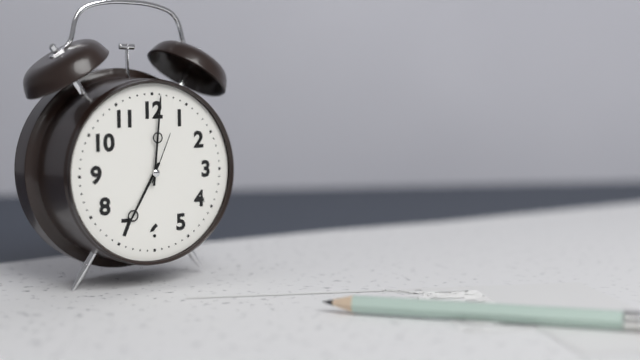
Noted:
7,01,04
